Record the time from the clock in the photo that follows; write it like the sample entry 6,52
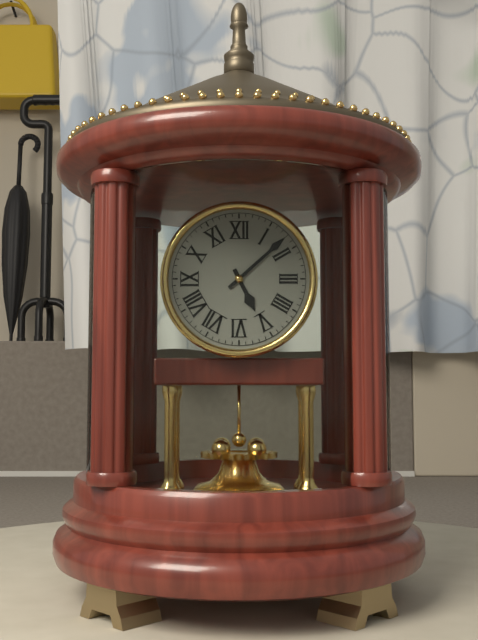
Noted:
5,08
